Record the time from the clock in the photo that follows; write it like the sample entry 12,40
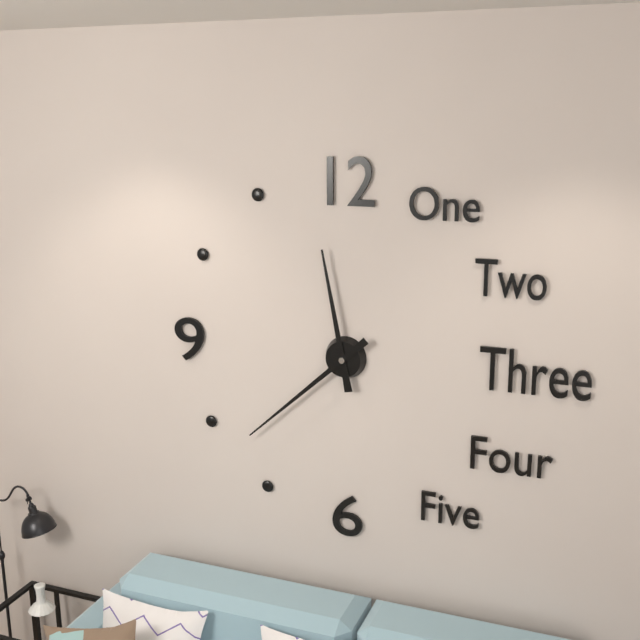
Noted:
11,38
